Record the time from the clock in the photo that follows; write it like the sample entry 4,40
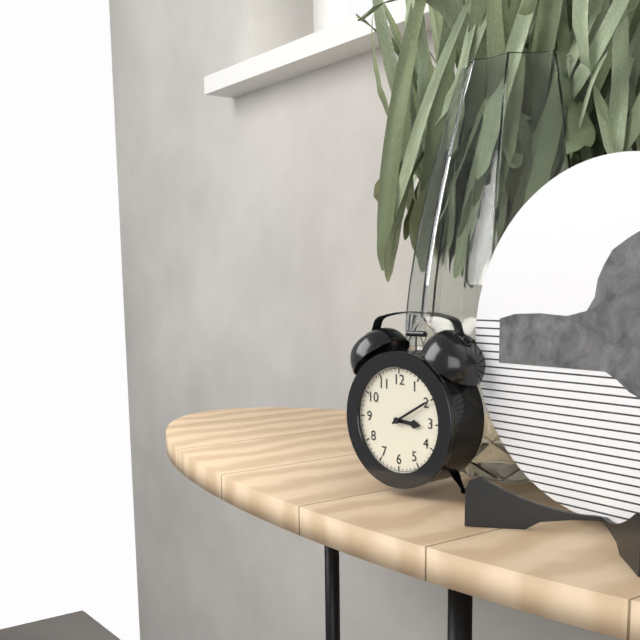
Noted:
3,10
